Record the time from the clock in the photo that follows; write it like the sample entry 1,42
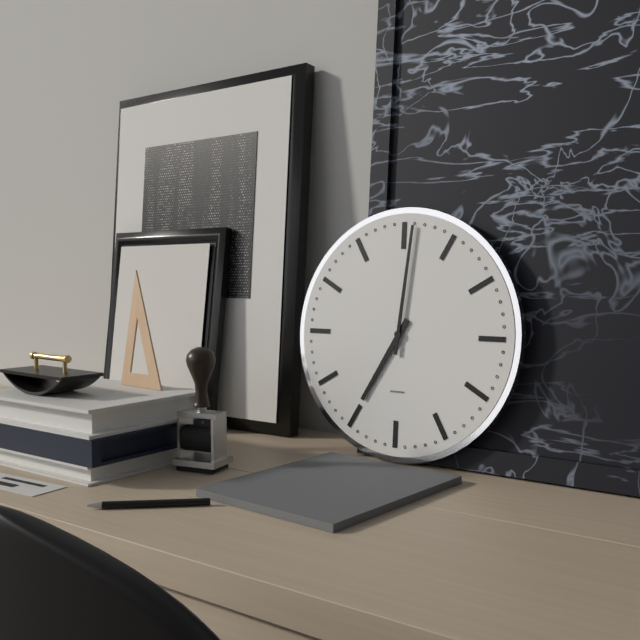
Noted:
7,01
